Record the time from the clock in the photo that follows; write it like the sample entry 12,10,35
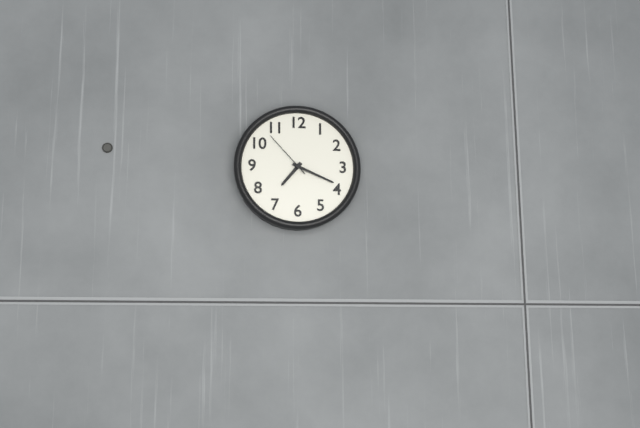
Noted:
7,19,53
